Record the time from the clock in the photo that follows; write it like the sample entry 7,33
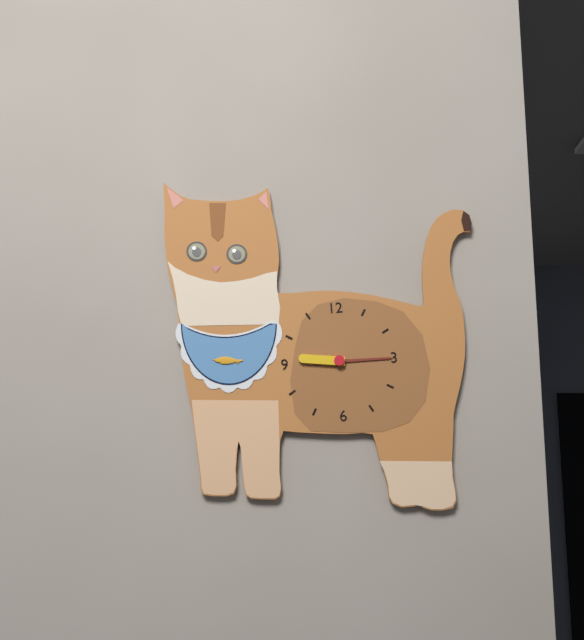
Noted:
9,15
